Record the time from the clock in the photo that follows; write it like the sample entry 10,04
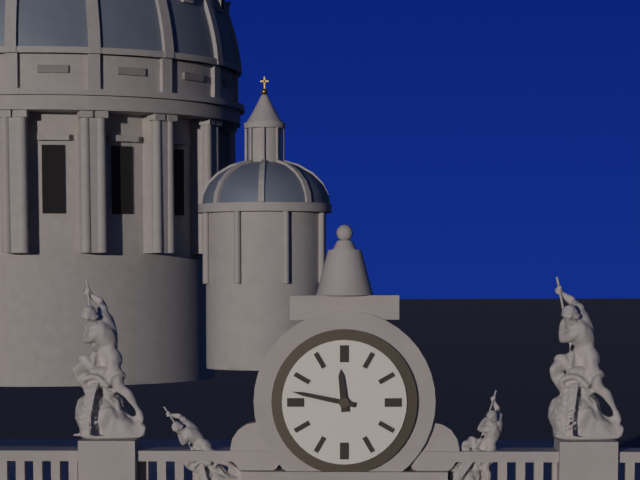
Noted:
11,47
